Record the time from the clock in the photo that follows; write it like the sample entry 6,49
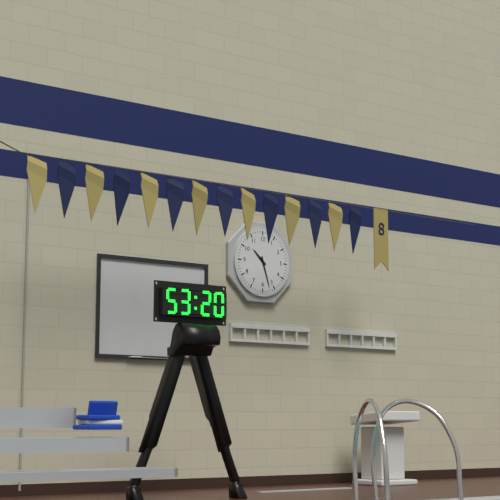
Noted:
10,27
